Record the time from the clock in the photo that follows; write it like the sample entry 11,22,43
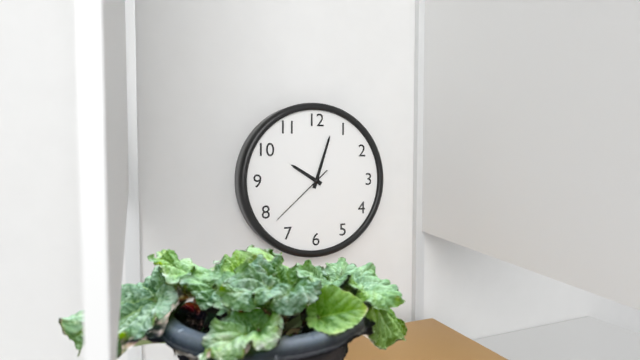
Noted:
10,03,38
